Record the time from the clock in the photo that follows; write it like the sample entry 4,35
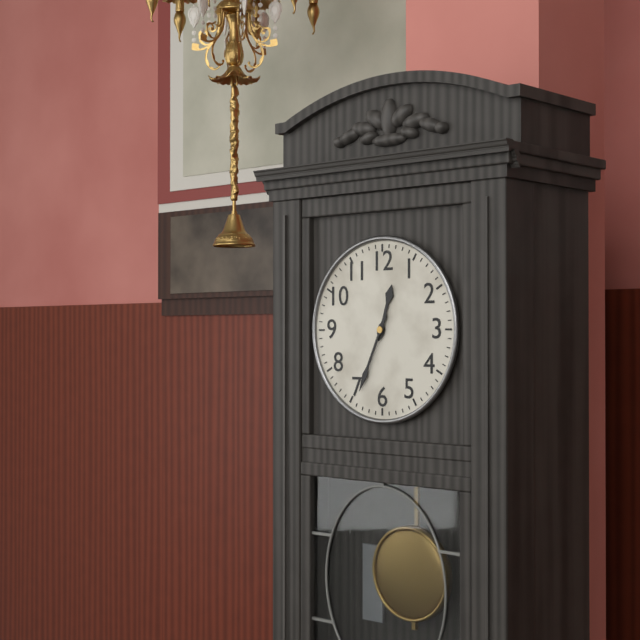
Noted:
12,34
